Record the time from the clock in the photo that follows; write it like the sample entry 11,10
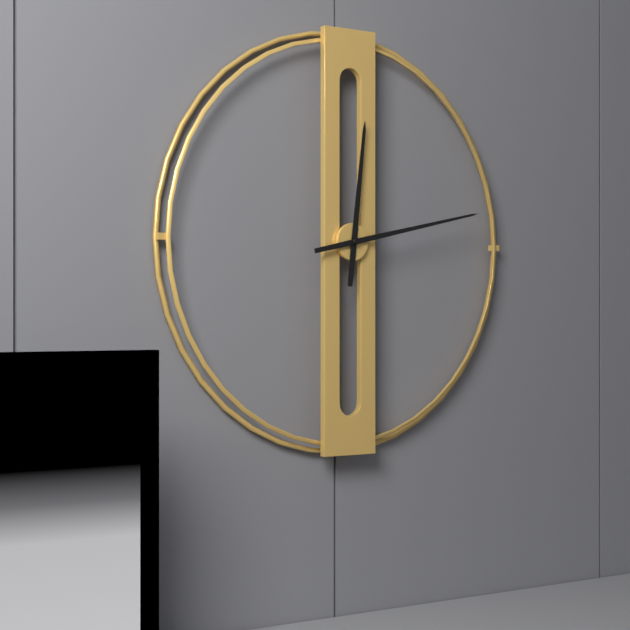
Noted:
12,13
